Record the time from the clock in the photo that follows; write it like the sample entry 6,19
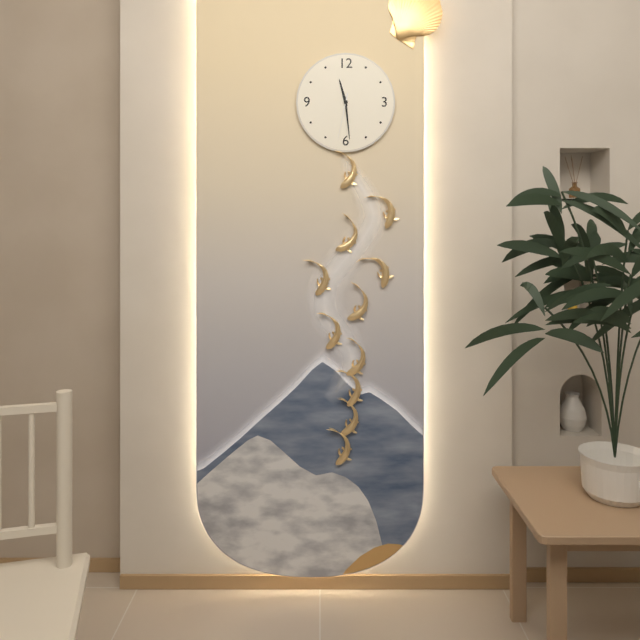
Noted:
11,29
